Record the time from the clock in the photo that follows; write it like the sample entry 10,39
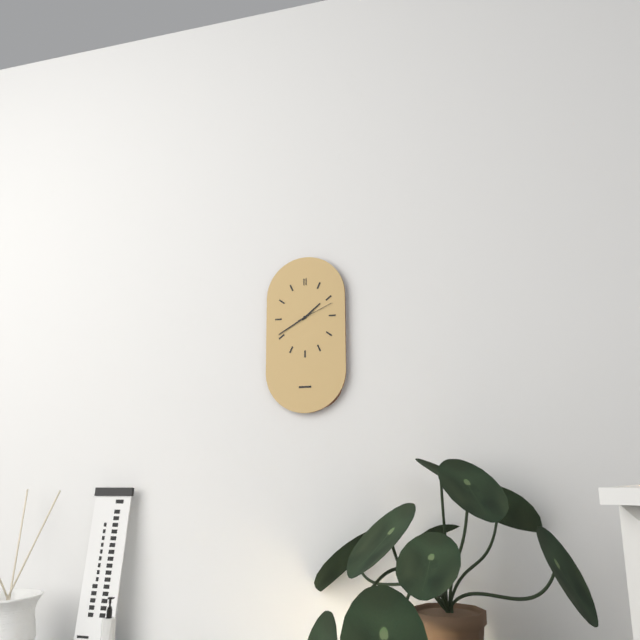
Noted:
1,40
